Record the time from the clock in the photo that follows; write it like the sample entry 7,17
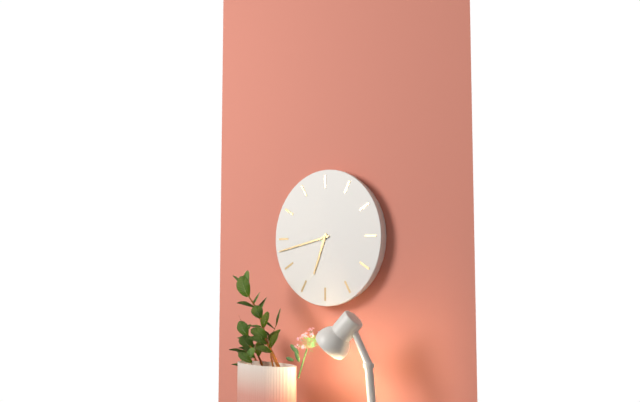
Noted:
6,43
